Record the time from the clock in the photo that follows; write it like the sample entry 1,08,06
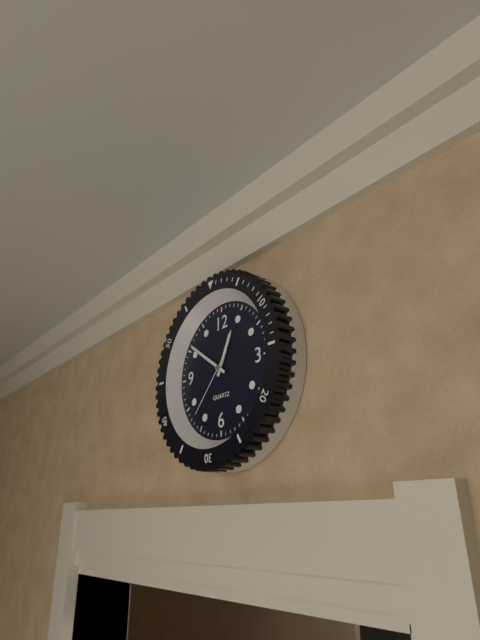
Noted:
12,51,37
